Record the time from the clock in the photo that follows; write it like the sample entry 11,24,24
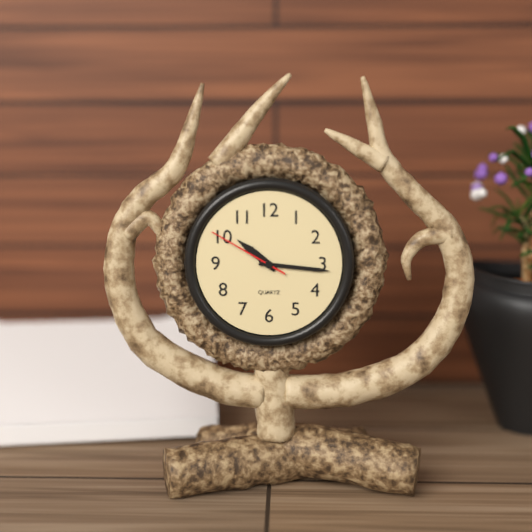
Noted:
10,16,50
